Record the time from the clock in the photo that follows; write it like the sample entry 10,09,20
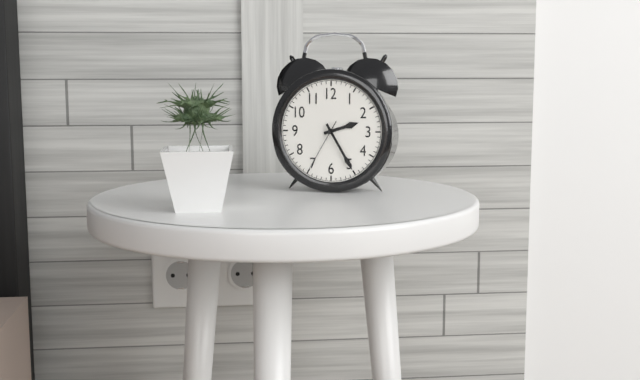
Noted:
2,25,35
